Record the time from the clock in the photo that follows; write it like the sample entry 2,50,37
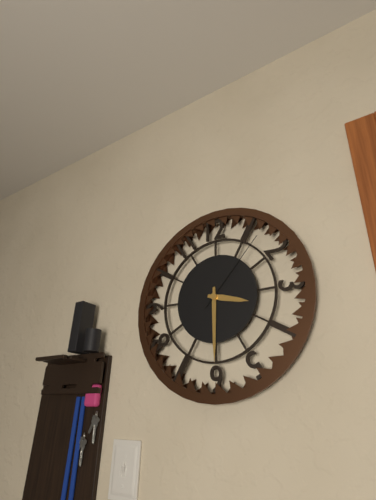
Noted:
3,30,07
